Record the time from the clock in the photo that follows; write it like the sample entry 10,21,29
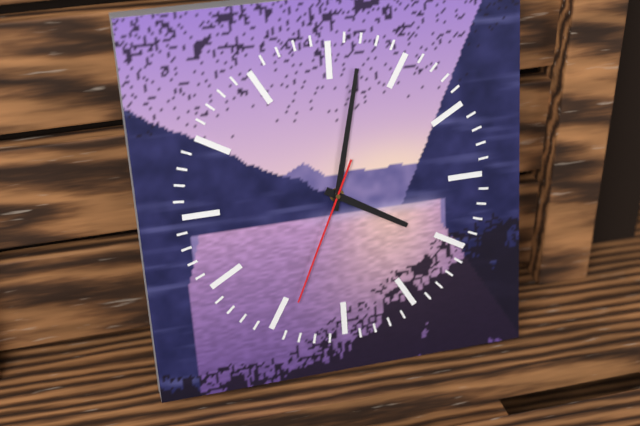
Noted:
4,02,34
